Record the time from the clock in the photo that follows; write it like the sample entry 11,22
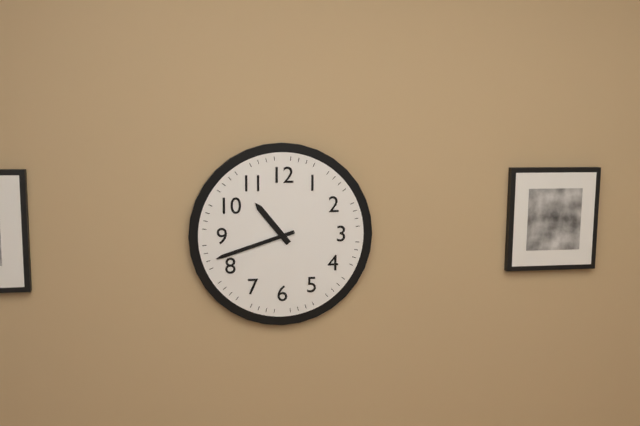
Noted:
10,42
